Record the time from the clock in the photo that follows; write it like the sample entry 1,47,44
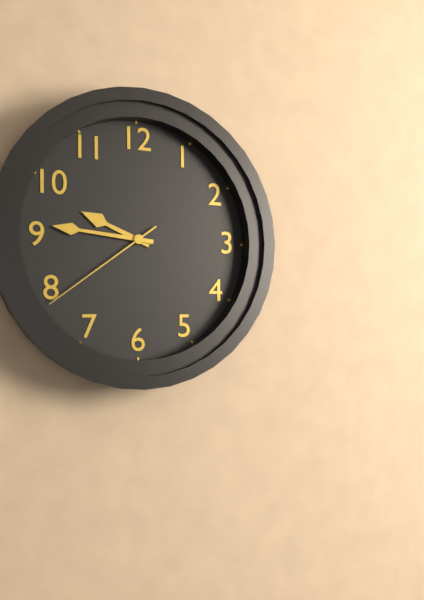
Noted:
9,46,39
